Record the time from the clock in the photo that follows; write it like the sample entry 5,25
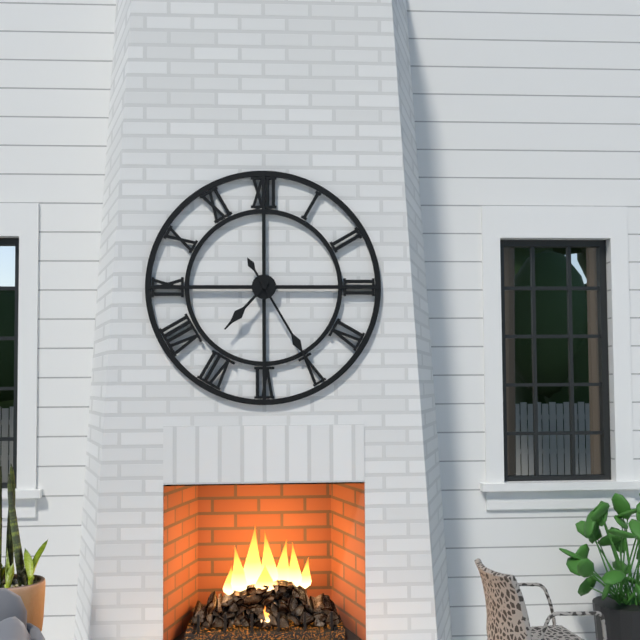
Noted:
7,25
